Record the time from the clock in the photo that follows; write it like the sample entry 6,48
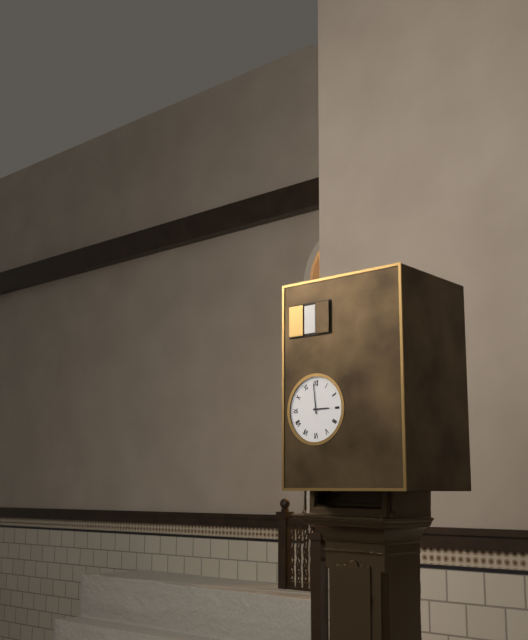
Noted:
2,59
